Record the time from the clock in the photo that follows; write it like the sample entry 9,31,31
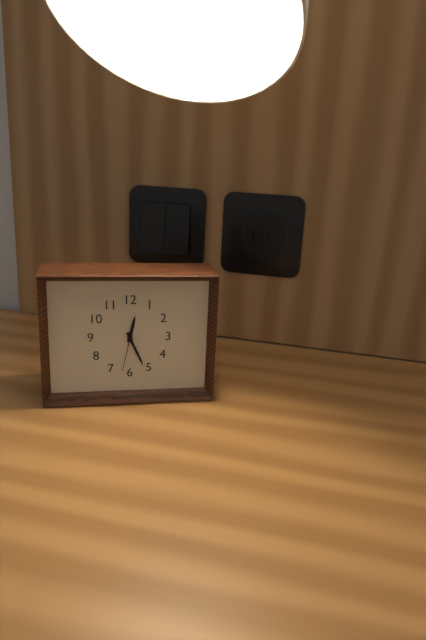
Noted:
12,26,32
